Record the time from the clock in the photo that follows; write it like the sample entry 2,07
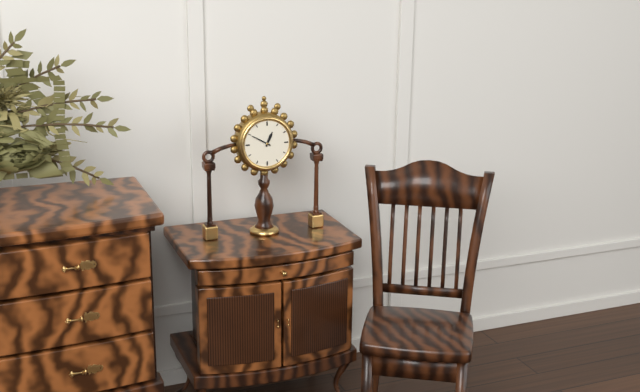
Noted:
12,50
